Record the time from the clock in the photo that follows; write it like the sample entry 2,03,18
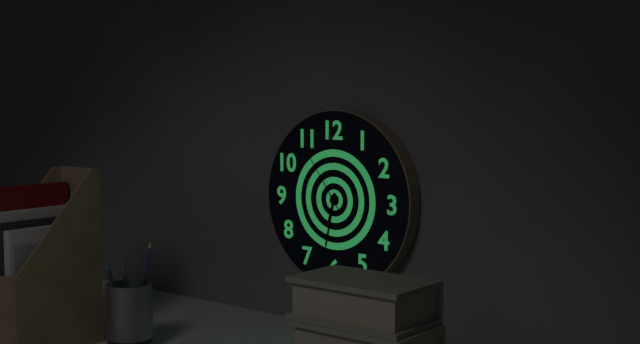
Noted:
6,32,54
